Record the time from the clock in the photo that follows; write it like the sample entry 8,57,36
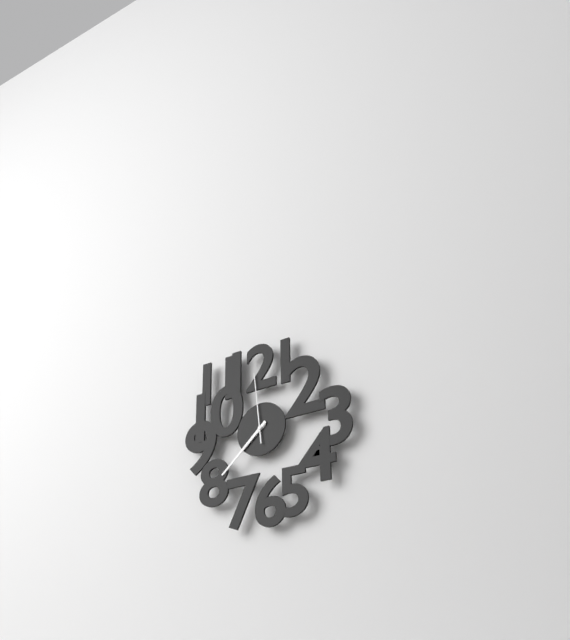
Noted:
7,38,59
